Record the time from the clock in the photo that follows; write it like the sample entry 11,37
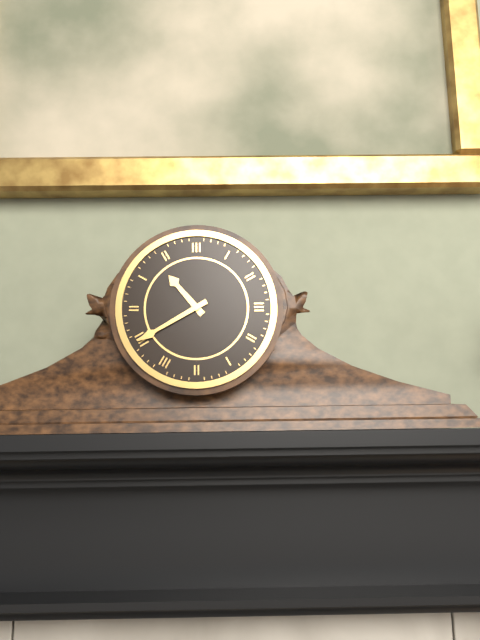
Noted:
10,40
